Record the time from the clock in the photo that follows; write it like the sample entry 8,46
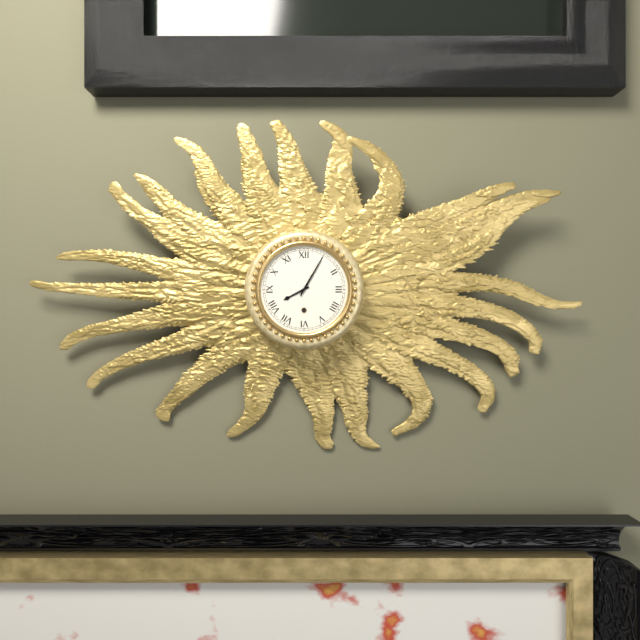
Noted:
8,05
